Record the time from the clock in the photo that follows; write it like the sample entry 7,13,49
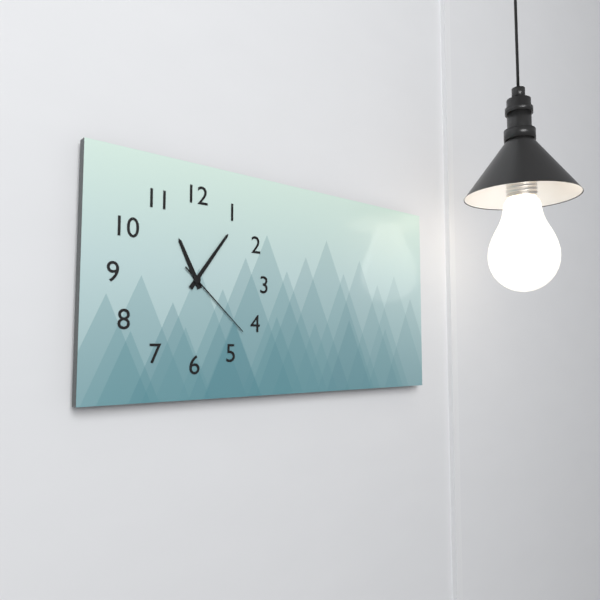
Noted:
11,06,22
